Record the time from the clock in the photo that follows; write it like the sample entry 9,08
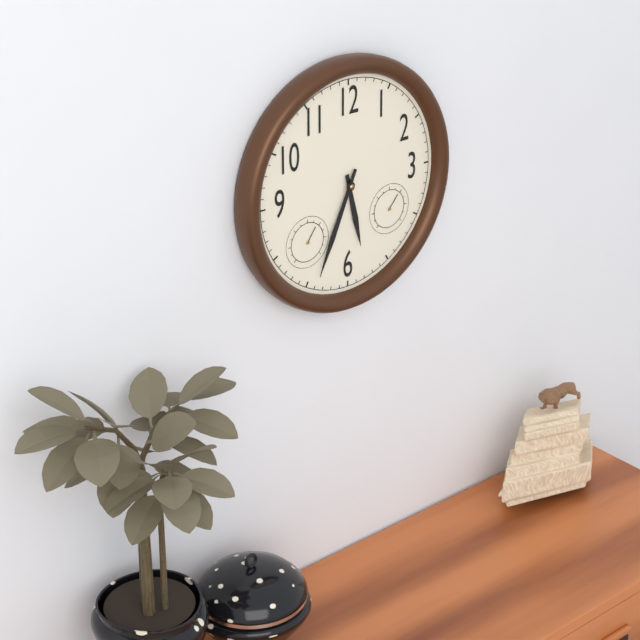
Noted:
5,34
